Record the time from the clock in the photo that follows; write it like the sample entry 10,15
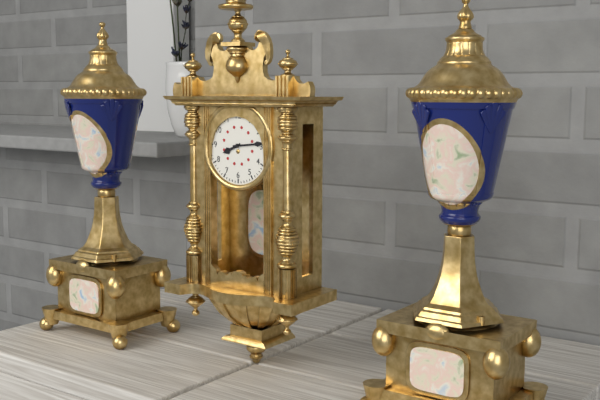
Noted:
8,14
